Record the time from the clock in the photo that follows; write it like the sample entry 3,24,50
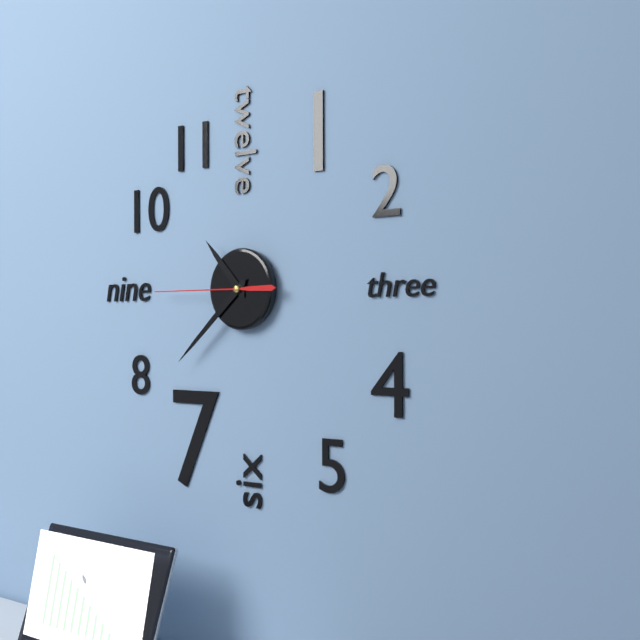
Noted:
10,38,45
